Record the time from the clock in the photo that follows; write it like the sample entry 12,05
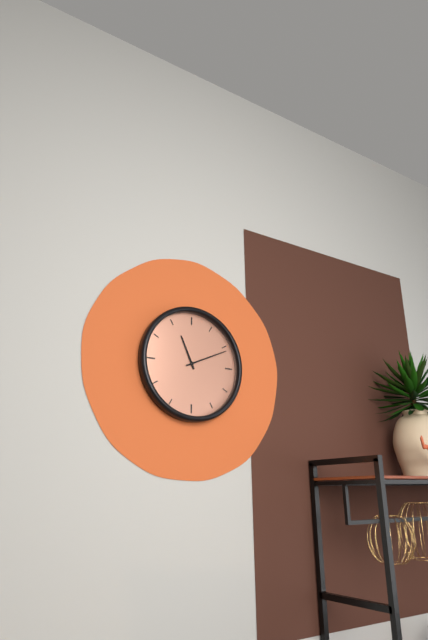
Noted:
11,11
